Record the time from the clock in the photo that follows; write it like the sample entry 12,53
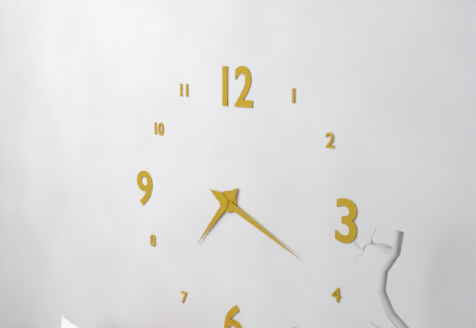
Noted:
7,19
